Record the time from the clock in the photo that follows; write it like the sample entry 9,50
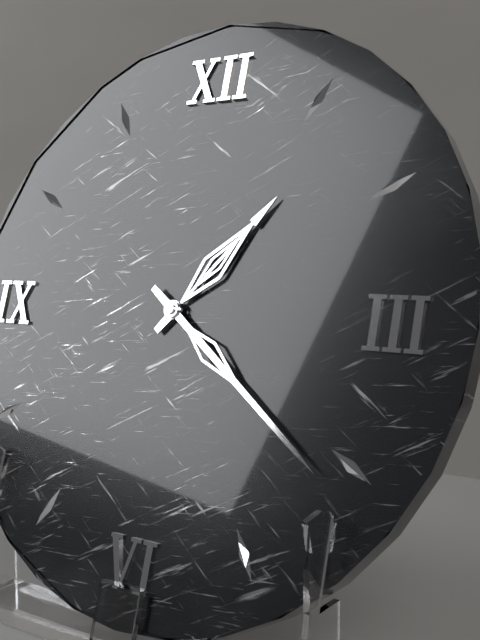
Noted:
1,21
